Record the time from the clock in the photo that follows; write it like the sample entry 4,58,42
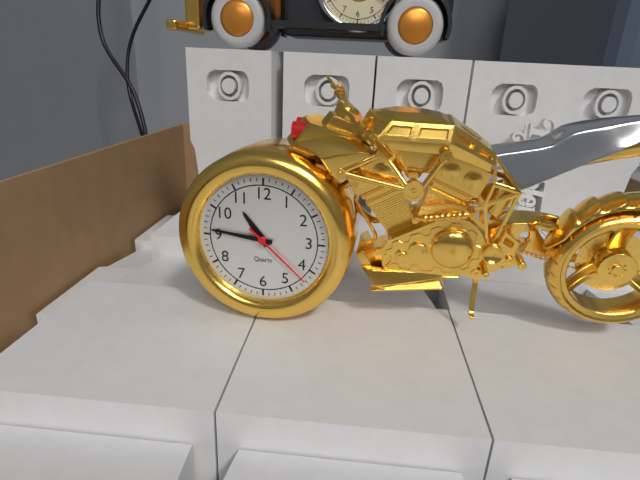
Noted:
10,46,22
